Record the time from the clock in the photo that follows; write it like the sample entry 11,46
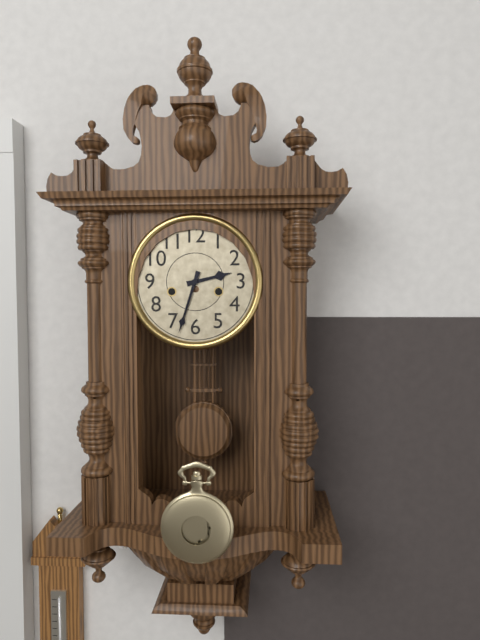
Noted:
2,33
